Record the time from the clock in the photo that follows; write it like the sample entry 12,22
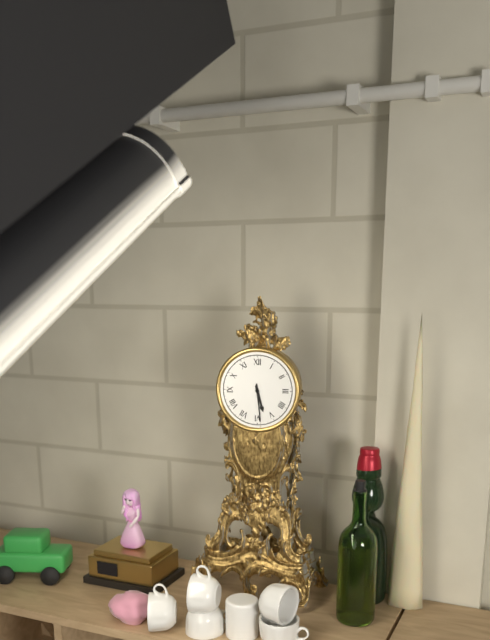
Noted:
5,29
